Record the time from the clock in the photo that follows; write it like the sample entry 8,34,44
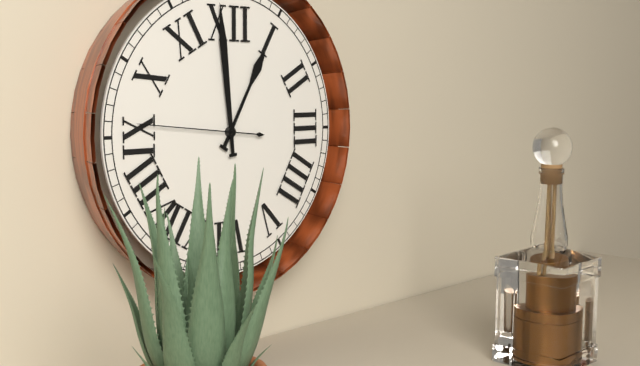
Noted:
12,59,46
